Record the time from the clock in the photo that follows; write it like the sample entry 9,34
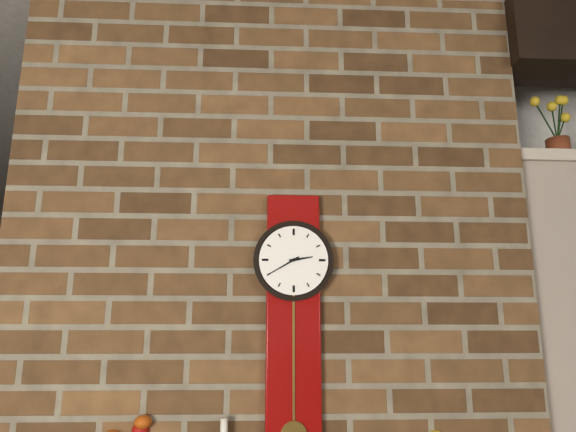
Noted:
2,40
